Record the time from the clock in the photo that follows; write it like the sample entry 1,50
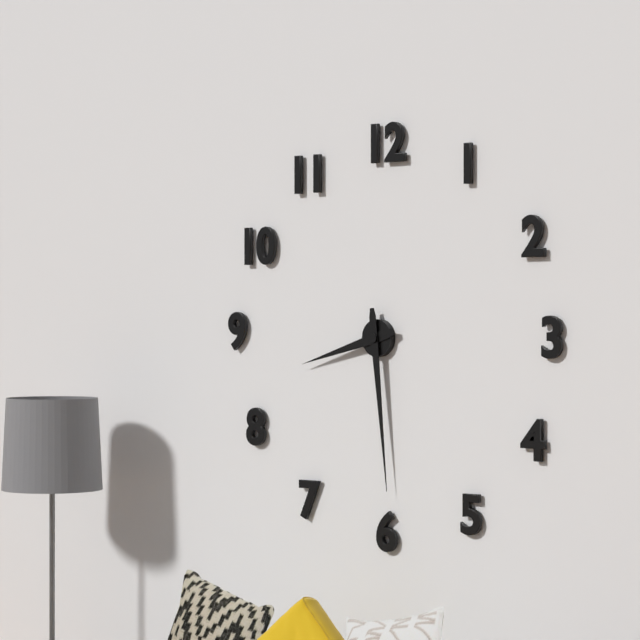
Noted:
8,29
